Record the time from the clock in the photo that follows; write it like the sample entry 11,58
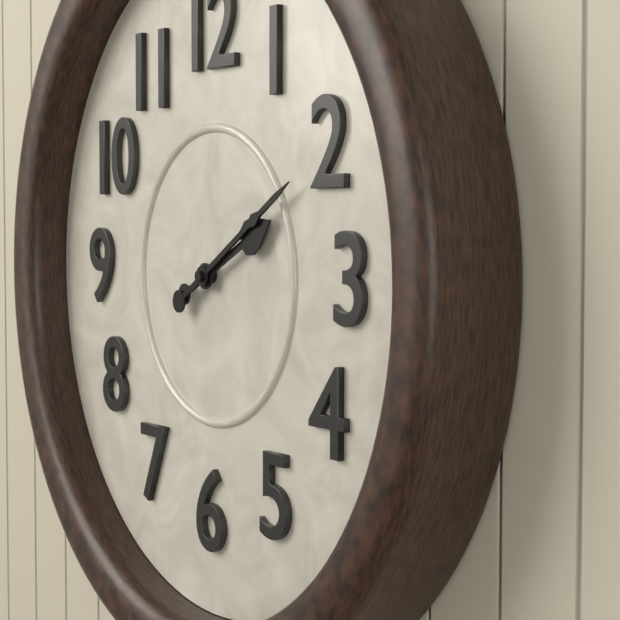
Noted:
2,10
